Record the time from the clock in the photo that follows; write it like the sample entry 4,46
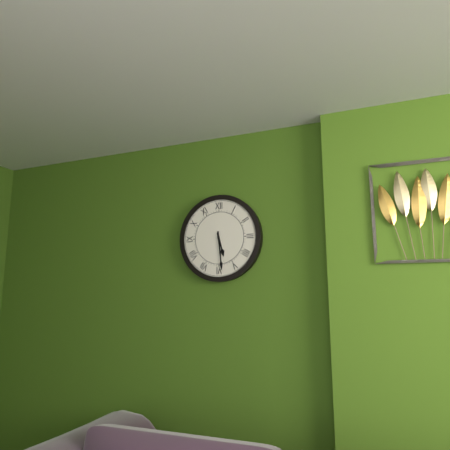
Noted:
5,29
